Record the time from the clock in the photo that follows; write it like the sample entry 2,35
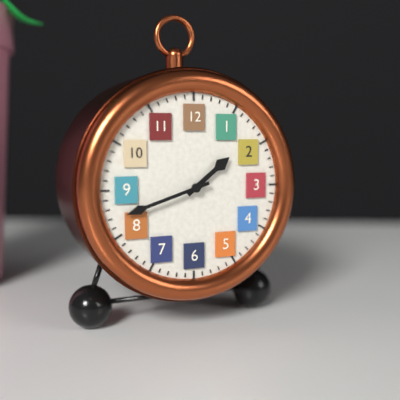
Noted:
1,42
